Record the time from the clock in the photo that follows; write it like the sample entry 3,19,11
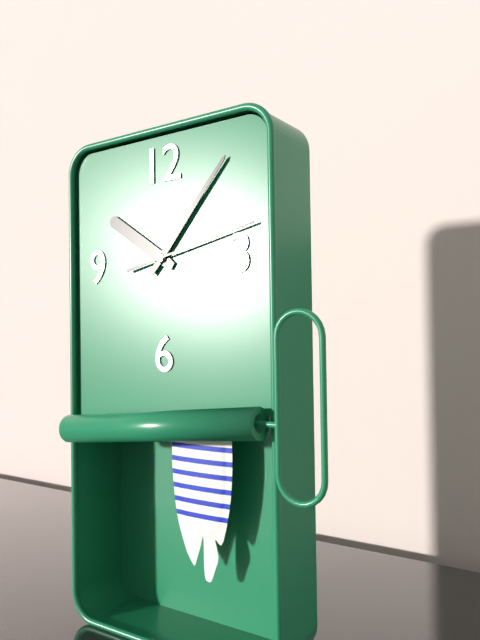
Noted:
10,07,13
